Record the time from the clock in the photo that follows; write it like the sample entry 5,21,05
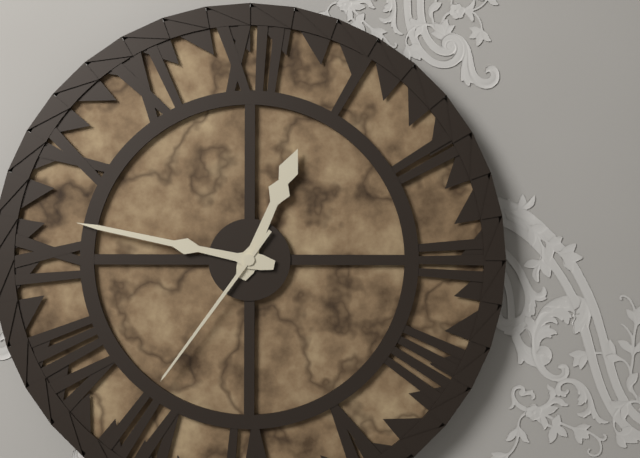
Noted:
12,47,36
